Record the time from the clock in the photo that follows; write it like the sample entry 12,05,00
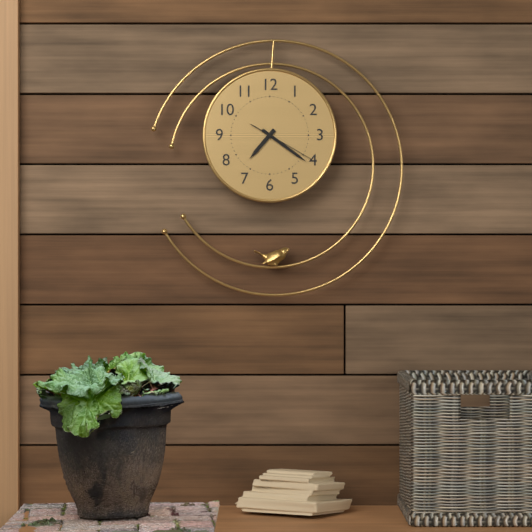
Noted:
7,21,20
